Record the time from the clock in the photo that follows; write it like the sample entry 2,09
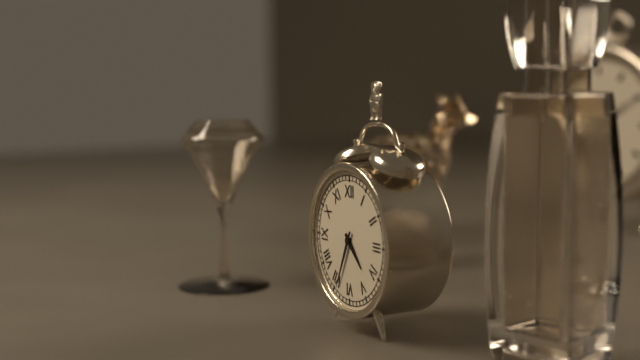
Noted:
4,34
